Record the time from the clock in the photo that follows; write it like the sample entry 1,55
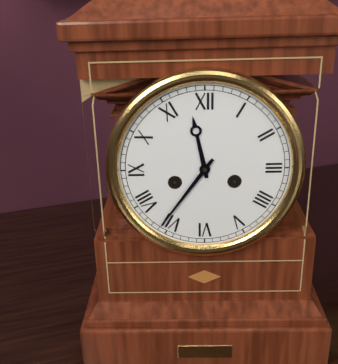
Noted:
11,36
